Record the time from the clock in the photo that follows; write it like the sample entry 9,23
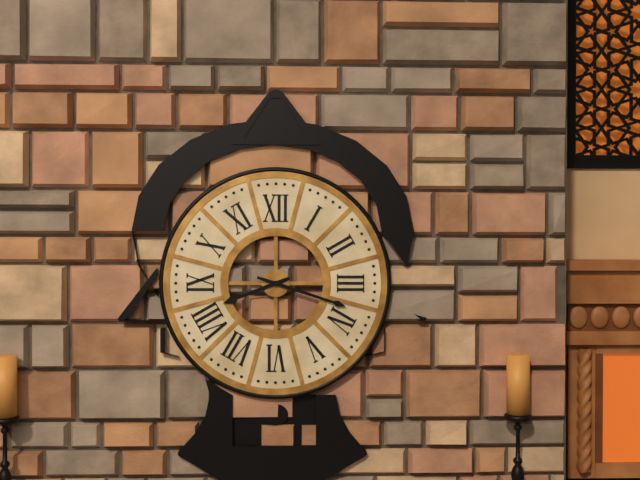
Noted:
8,18
